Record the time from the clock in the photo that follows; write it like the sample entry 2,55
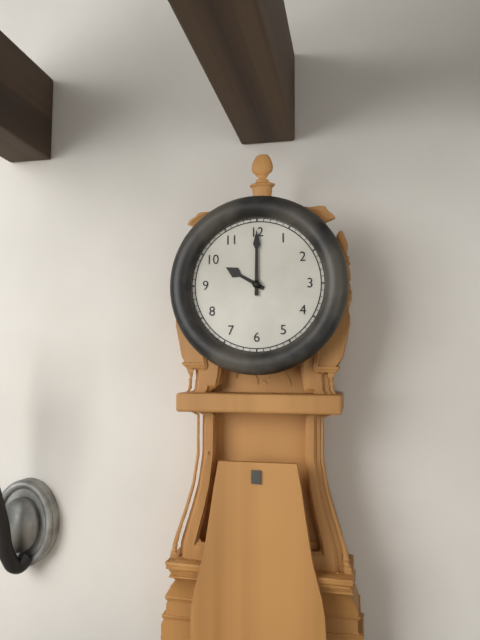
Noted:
10,00
